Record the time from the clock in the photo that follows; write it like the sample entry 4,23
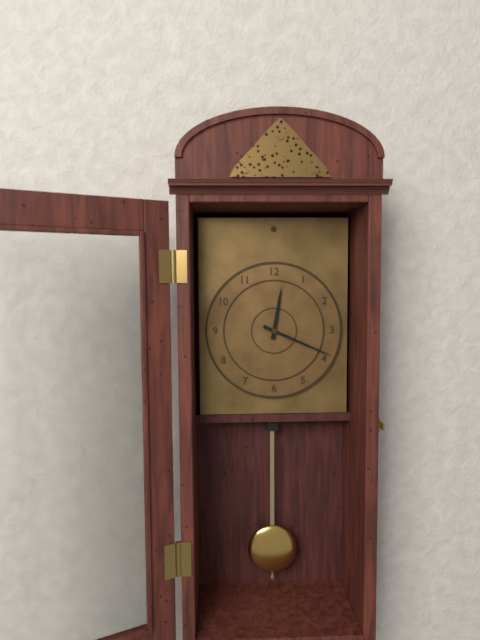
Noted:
12,19
